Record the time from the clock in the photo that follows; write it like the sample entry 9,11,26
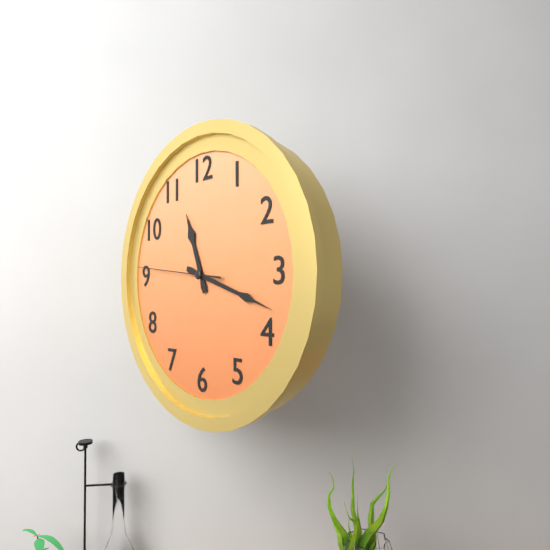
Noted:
11,18,46
